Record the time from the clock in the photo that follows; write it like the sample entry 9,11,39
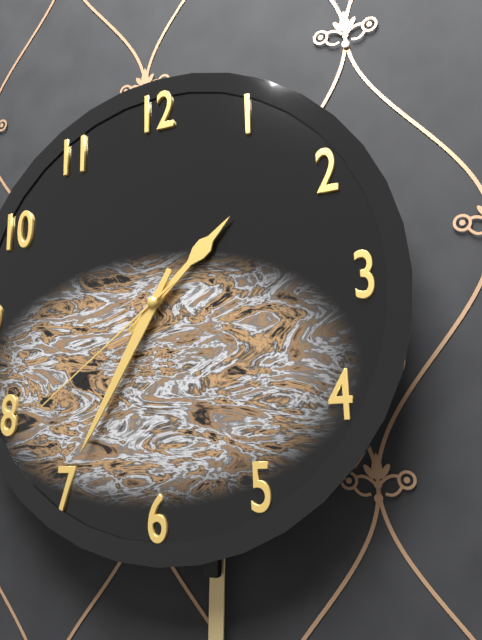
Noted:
1,35,39
